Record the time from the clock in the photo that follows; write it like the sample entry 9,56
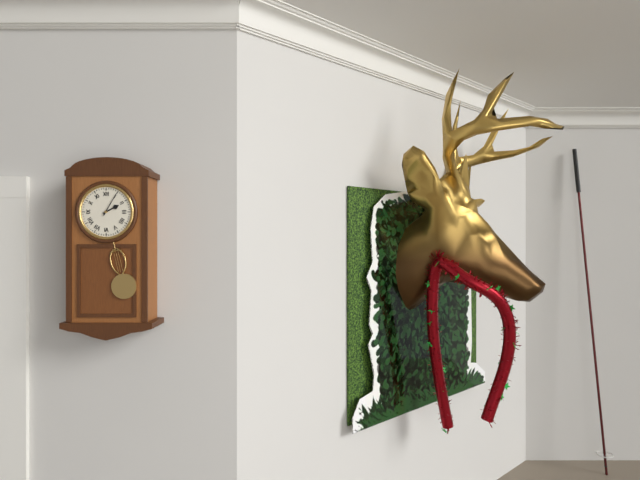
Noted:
2,05
